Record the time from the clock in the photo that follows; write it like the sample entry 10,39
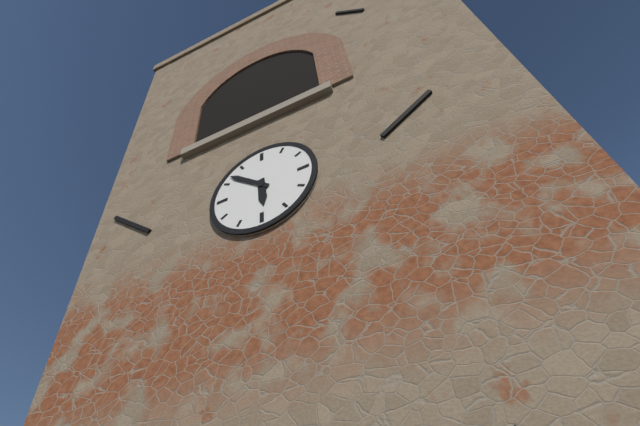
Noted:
5,52
